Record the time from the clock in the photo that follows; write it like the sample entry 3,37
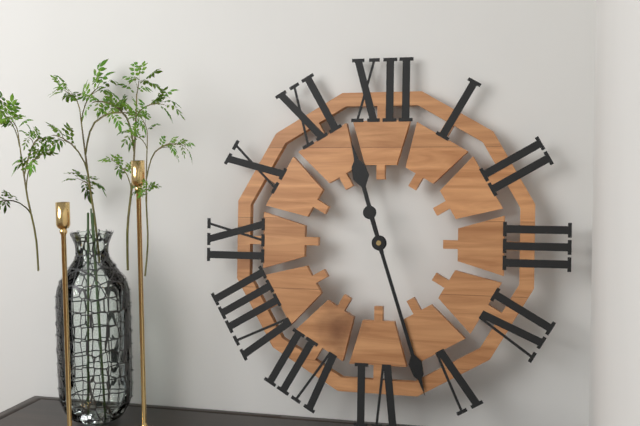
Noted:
11,27
